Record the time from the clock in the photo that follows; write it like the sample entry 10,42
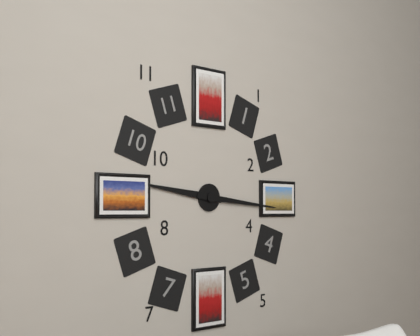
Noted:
9,16
